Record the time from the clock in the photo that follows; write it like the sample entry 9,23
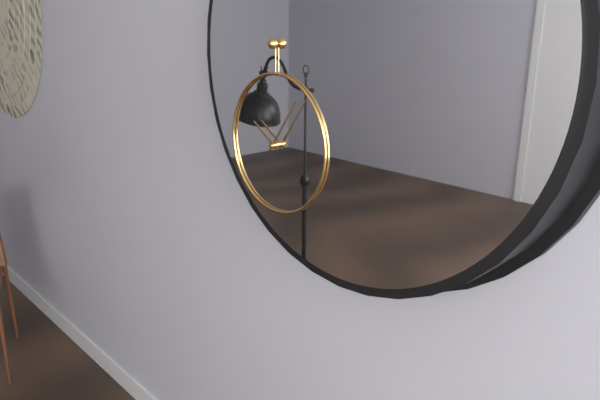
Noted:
10,06
